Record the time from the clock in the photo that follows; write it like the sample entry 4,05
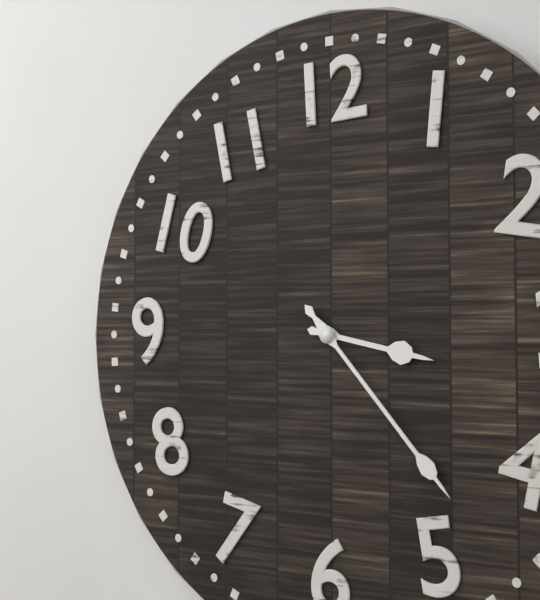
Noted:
3,23
